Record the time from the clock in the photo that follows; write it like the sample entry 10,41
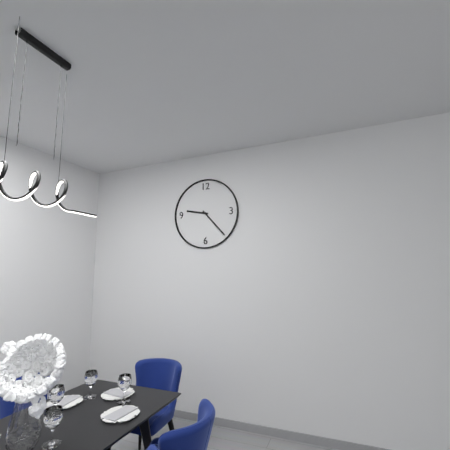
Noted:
9,23
